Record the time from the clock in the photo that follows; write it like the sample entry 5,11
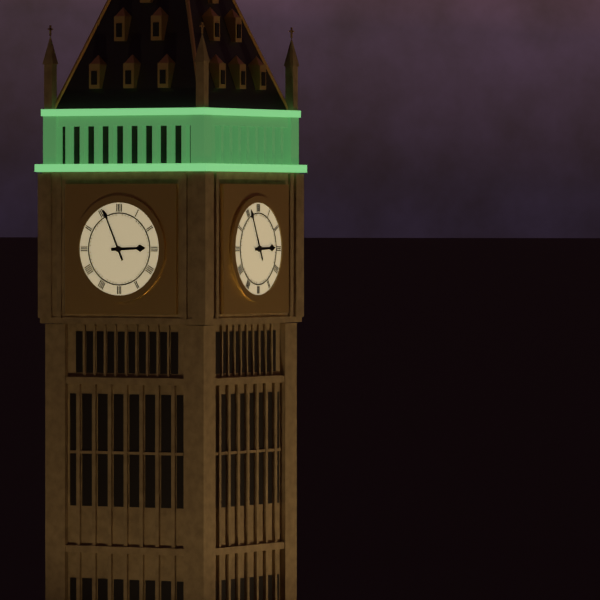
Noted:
2,56
